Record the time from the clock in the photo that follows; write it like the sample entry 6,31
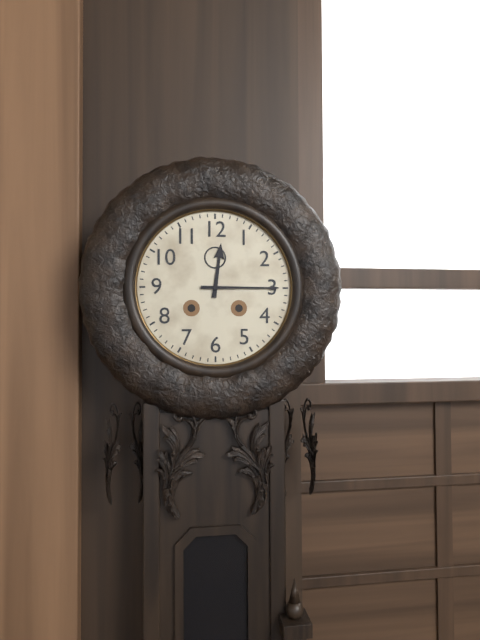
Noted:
12,15
